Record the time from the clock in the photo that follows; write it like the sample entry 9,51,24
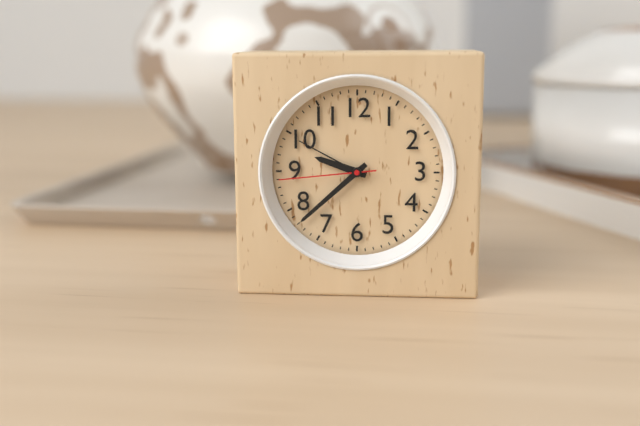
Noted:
9,38,44
